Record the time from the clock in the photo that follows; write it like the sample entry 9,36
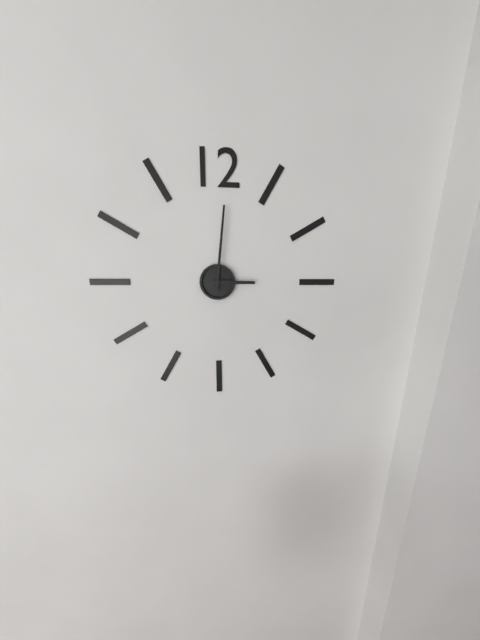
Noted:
3,01
